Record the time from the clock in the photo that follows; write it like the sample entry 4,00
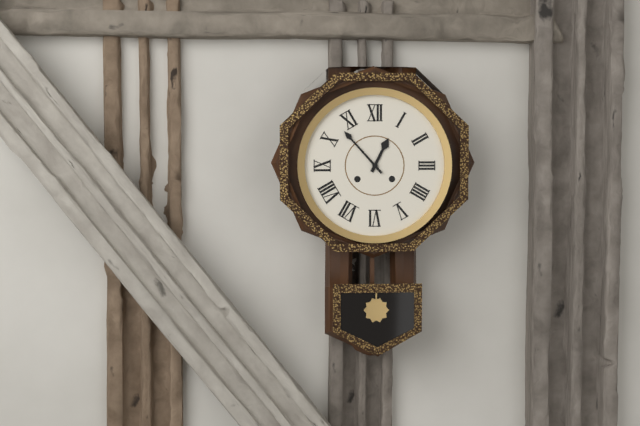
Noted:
12,53
